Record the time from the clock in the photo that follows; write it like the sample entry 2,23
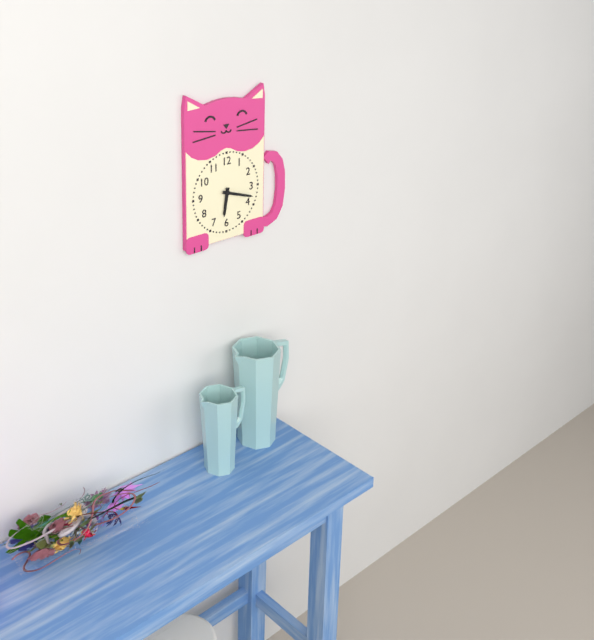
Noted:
6,18
